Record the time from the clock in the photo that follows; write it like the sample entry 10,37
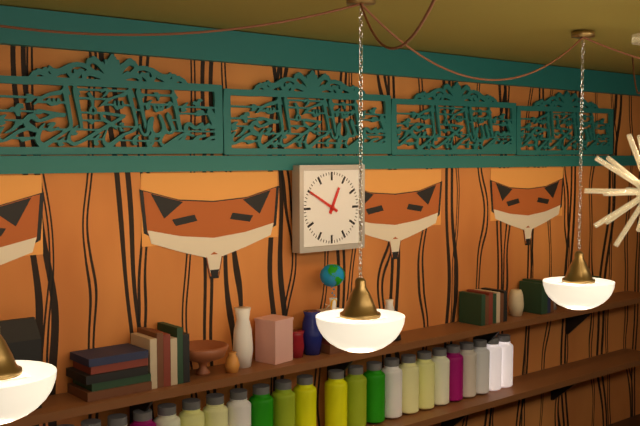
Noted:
12,50
